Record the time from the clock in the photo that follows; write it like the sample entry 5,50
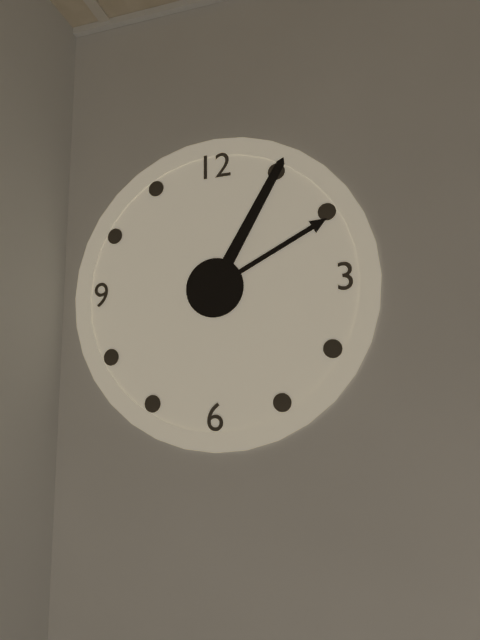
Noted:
2,05
